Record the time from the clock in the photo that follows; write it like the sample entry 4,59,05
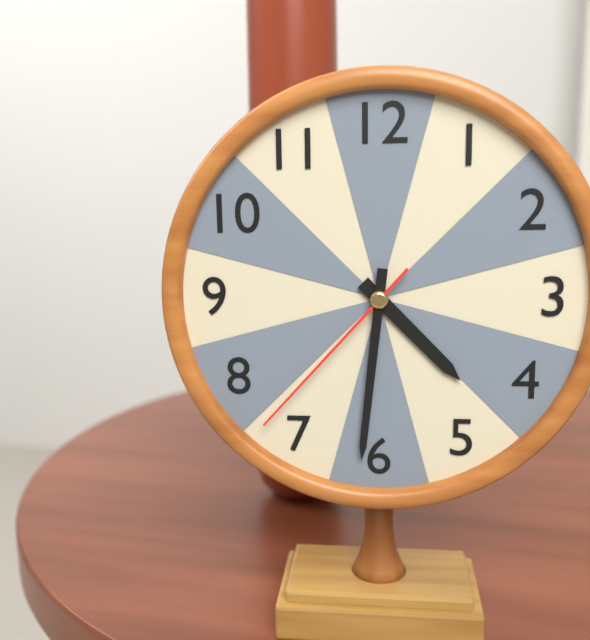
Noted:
4,31,37
